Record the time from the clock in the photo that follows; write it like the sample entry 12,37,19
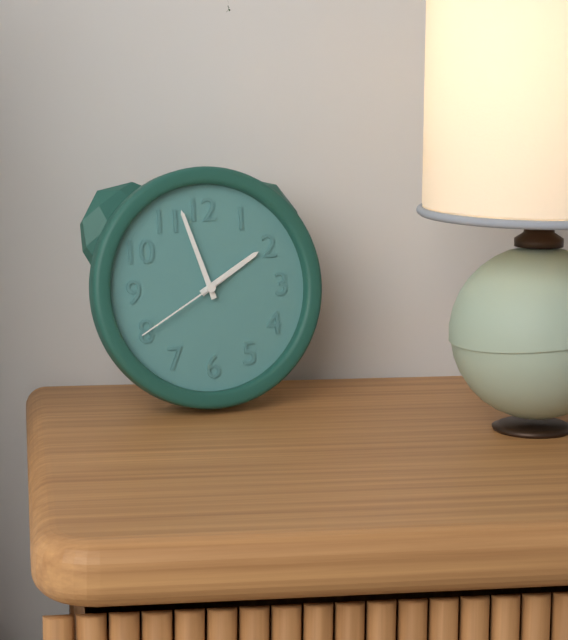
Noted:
1,57,40
